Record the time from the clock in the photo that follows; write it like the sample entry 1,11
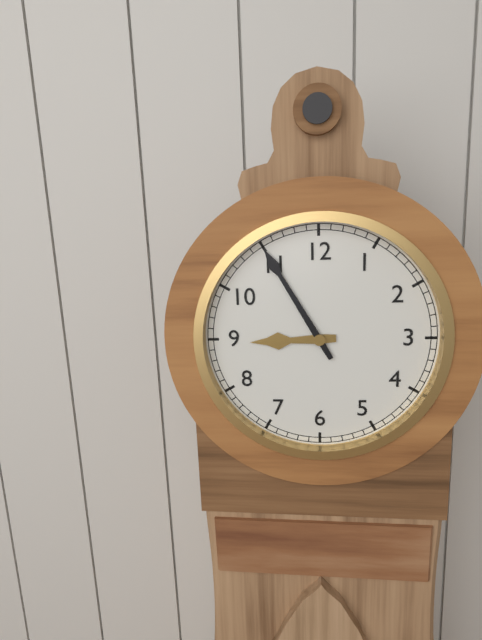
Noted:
8,55
